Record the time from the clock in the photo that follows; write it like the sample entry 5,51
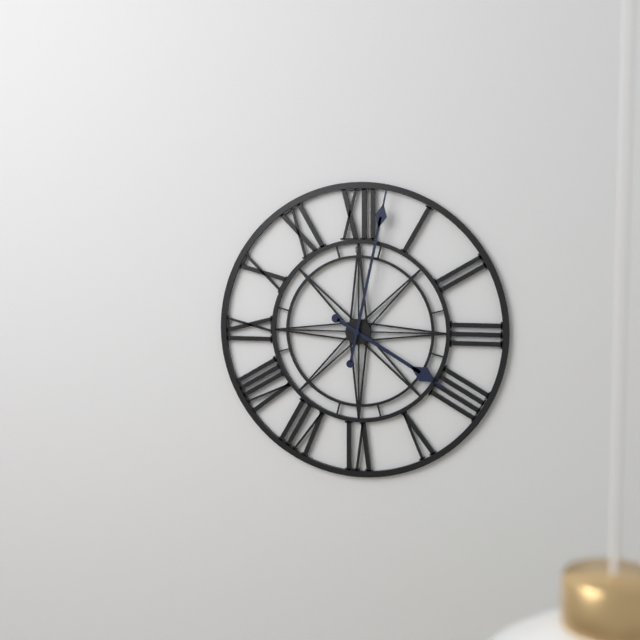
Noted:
4,02
